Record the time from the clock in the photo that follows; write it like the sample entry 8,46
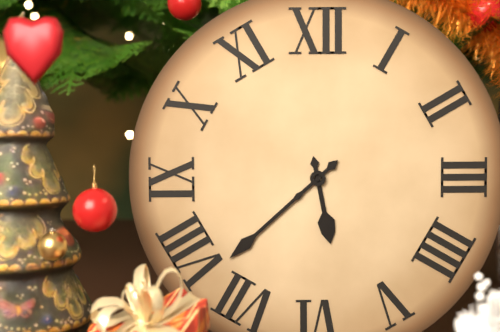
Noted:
5,38
